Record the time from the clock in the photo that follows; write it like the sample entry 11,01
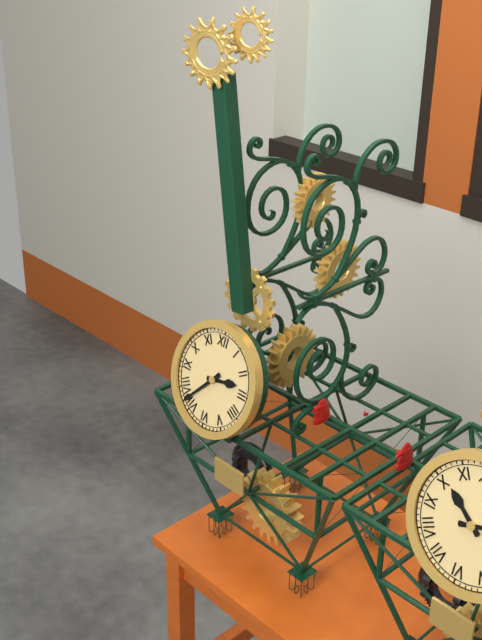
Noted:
2,37
